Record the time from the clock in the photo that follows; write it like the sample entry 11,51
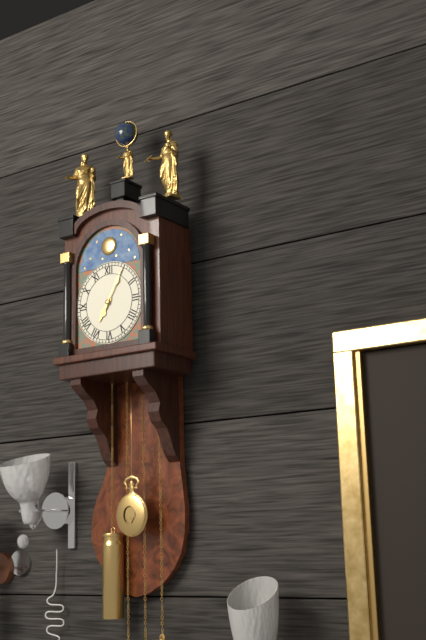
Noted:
7,05
